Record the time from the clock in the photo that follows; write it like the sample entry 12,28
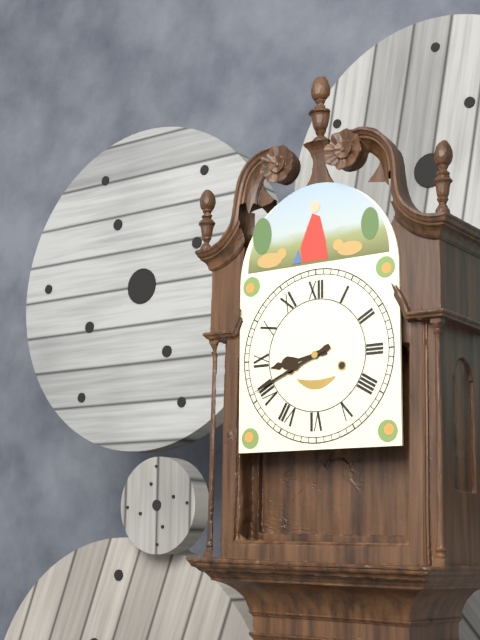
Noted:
8,41
